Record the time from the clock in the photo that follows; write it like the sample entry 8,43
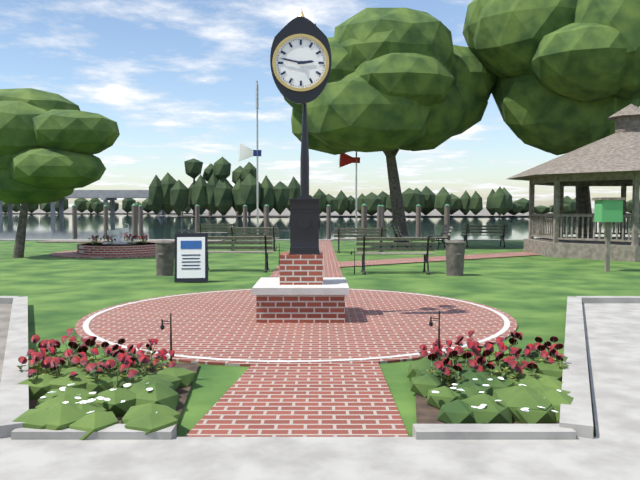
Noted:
2,47
